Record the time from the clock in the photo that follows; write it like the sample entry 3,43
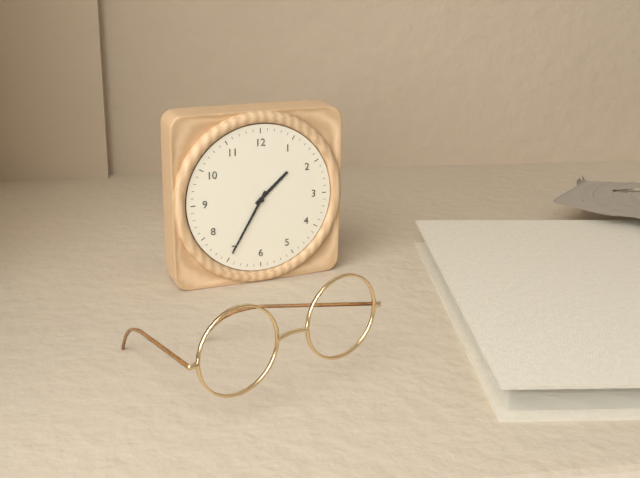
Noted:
1,35
